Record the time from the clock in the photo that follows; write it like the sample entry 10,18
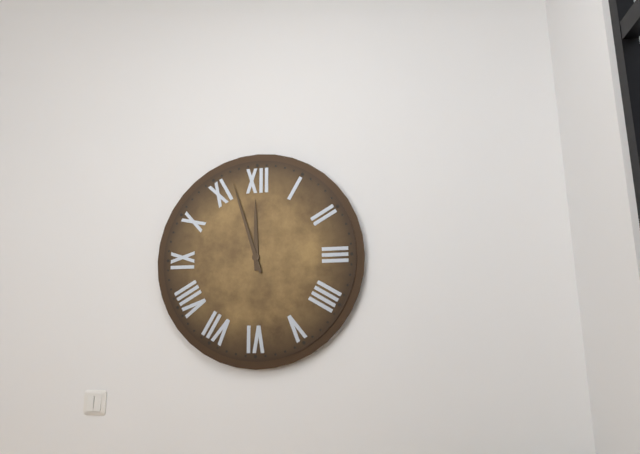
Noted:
11,57
